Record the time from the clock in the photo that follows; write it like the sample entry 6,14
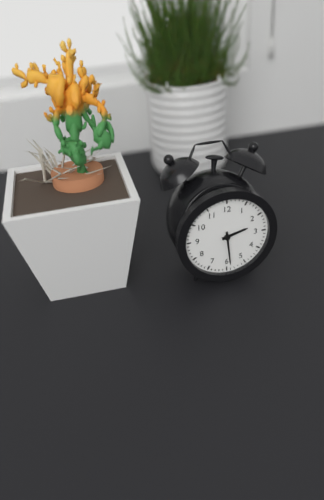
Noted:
2,29
